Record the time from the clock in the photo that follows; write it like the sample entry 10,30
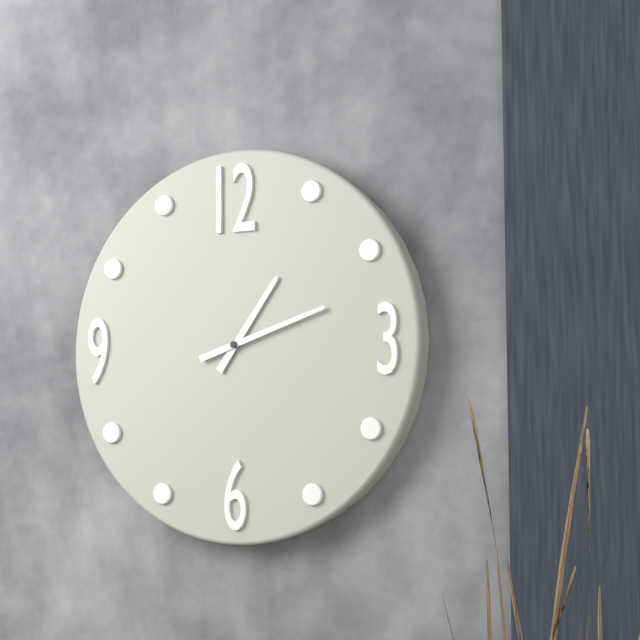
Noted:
1,12
